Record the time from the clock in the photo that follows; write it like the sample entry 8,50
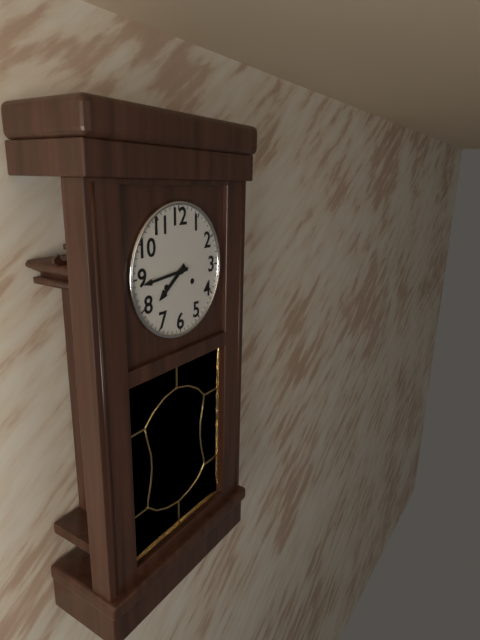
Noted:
7,44
